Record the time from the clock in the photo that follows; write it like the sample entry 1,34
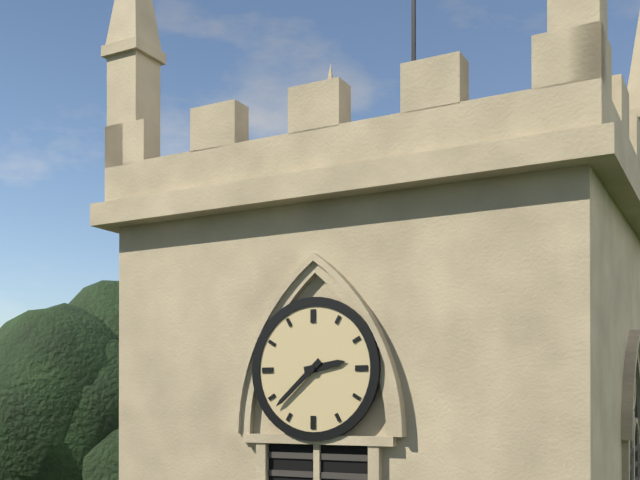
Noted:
2,38
